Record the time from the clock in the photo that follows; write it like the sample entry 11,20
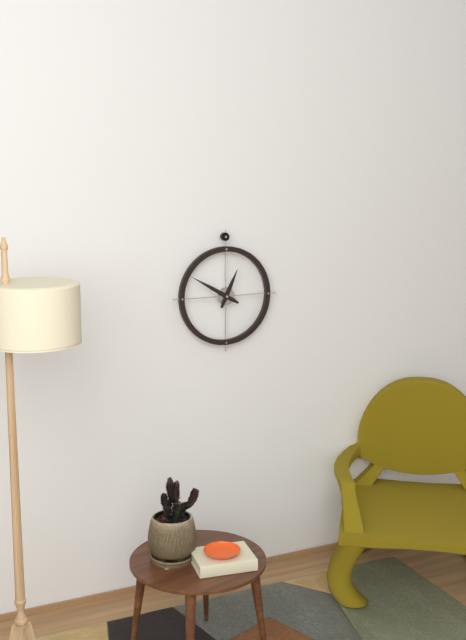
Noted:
12,50
